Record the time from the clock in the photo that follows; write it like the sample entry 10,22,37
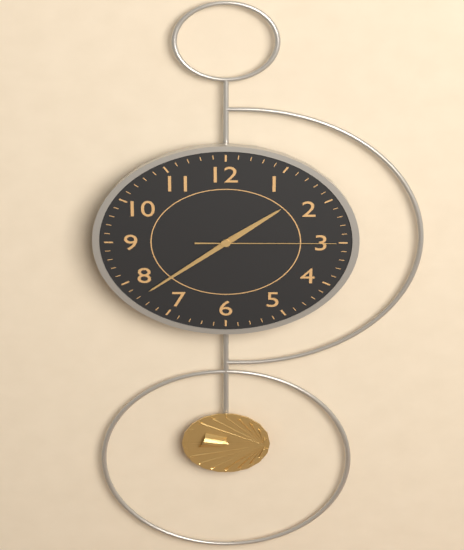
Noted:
1,38,15
